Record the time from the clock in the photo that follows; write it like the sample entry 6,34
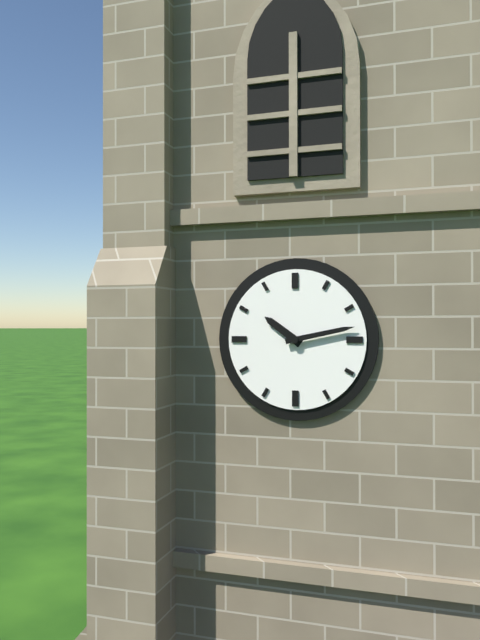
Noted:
10,13
